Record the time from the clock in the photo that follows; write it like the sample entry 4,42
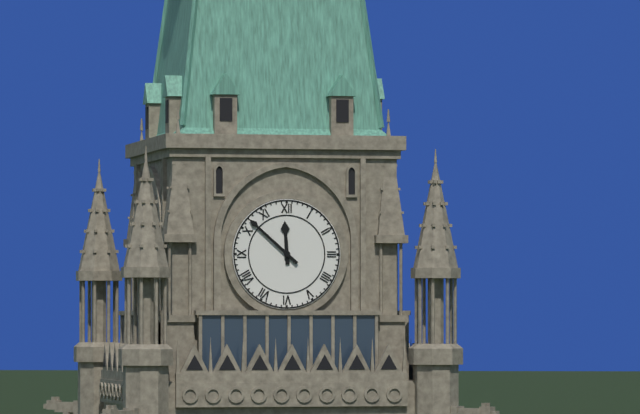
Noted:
11,52
